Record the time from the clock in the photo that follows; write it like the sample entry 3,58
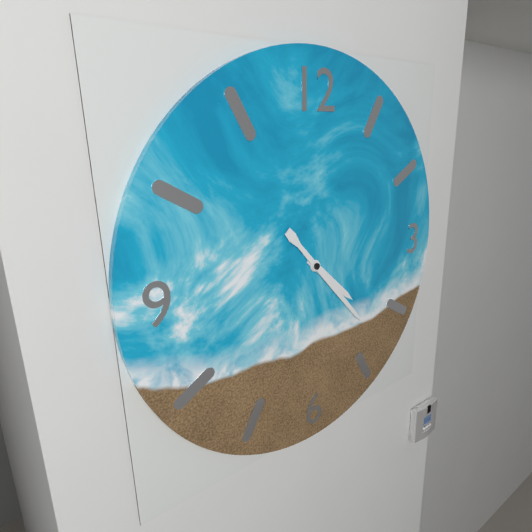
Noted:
4,23
